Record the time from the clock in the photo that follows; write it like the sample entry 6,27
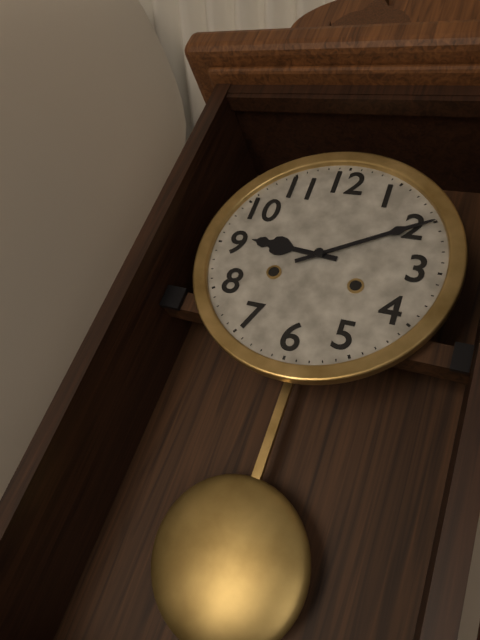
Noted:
9,10
